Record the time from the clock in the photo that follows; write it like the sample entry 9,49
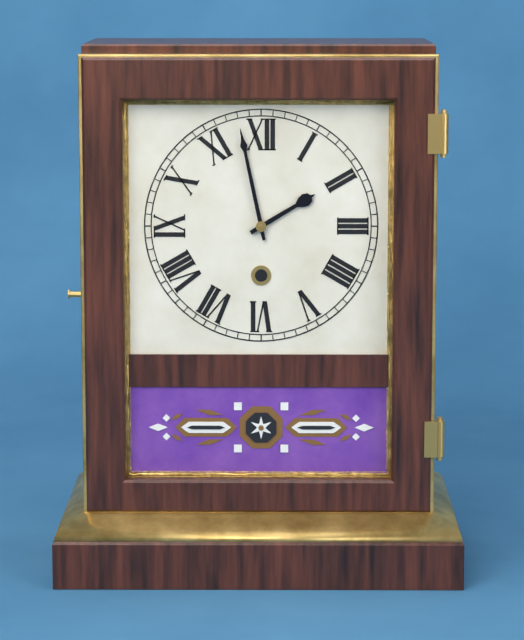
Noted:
1,58
